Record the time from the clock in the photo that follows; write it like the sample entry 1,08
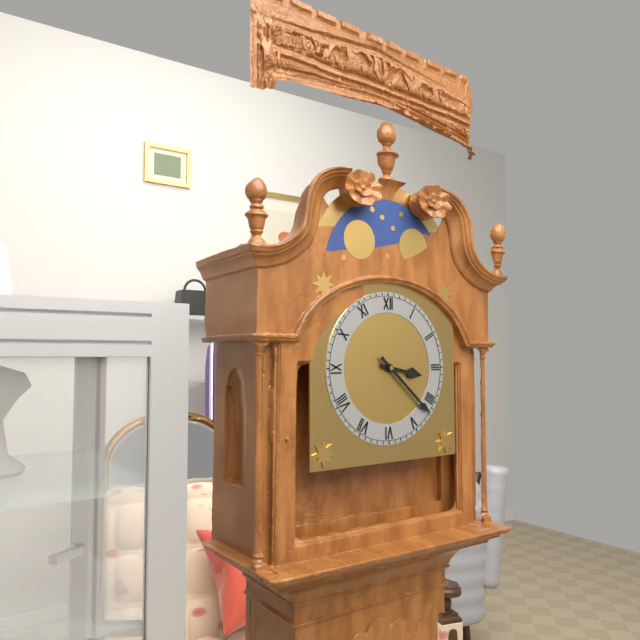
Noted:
3,22
